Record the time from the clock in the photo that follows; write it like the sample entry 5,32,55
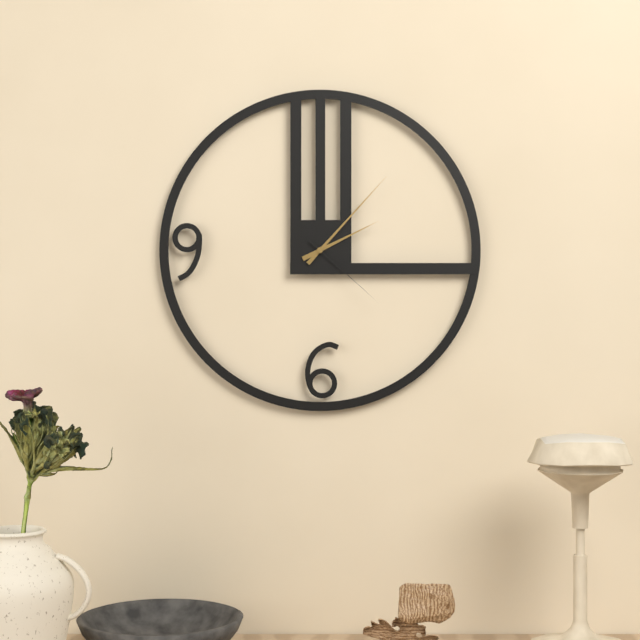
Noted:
2,07,22
